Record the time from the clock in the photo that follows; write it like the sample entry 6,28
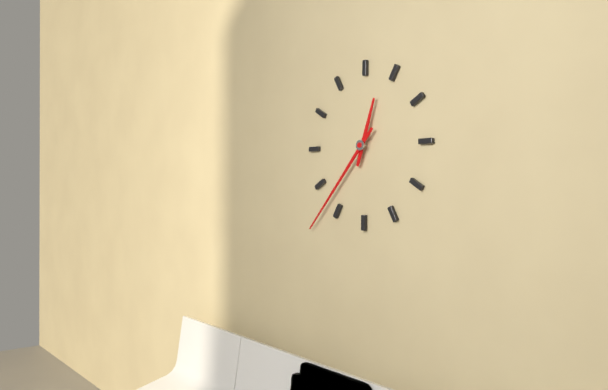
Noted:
12,37
